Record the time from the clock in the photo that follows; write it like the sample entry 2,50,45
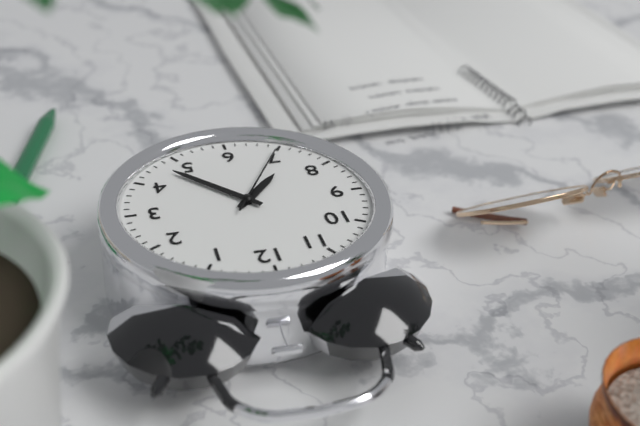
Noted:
7,23,35
